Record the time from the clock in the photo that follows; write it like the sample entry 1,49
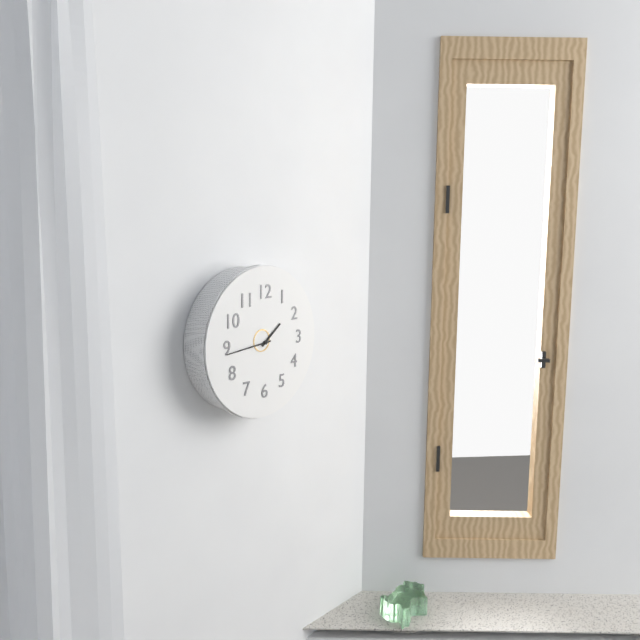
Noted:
1,44
